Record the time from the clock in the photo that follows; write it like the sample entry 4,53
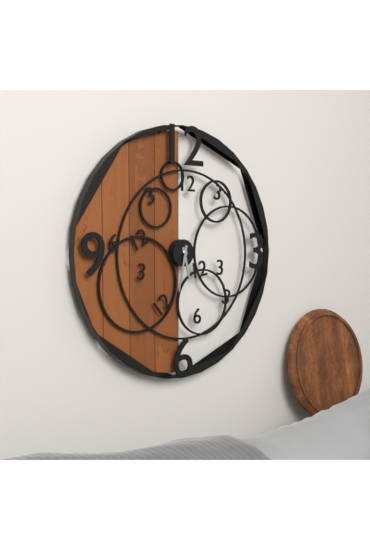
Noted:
5,32
